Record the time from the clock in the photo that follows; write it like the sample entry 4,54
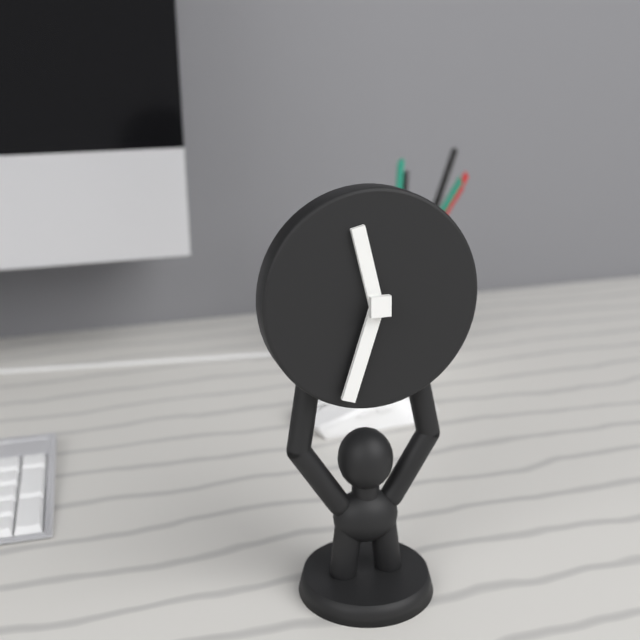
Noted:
11,33
